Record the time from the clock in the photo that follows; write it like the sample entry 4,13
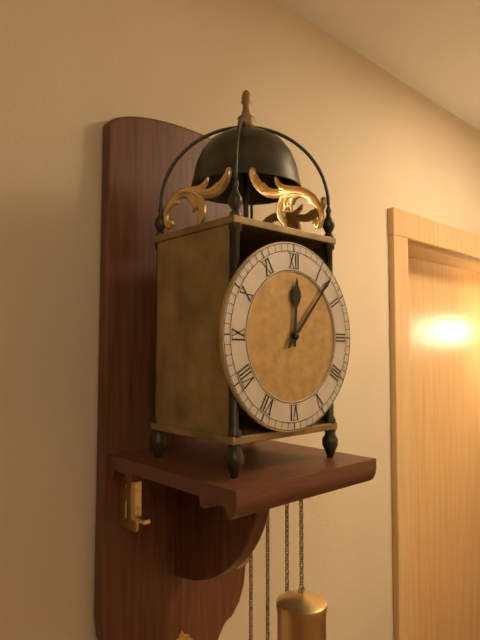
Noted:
12,07
